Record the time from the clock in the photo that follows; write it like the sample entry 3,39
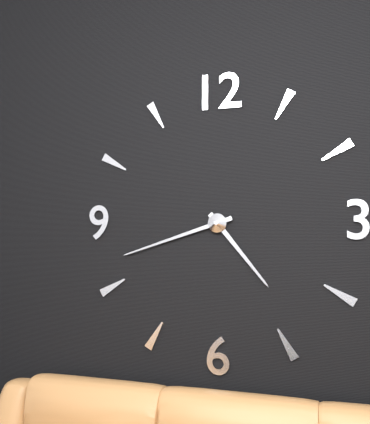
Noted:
4,42
